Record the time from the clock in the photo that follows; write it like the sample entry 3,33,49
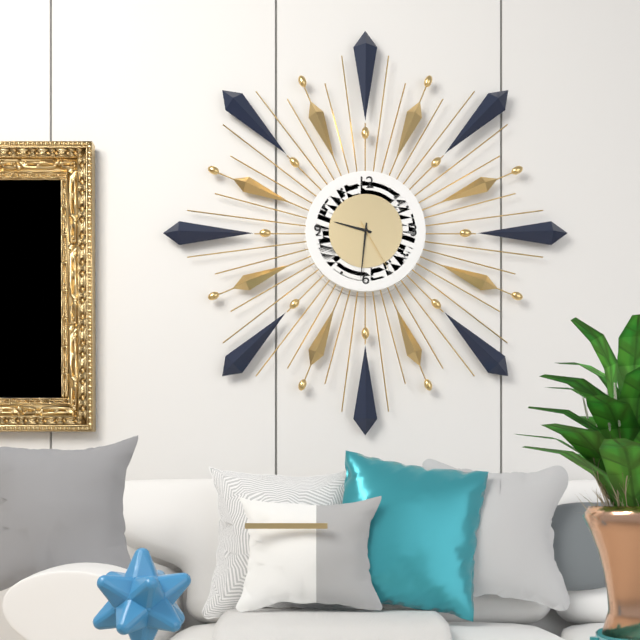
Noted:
9,31,25
